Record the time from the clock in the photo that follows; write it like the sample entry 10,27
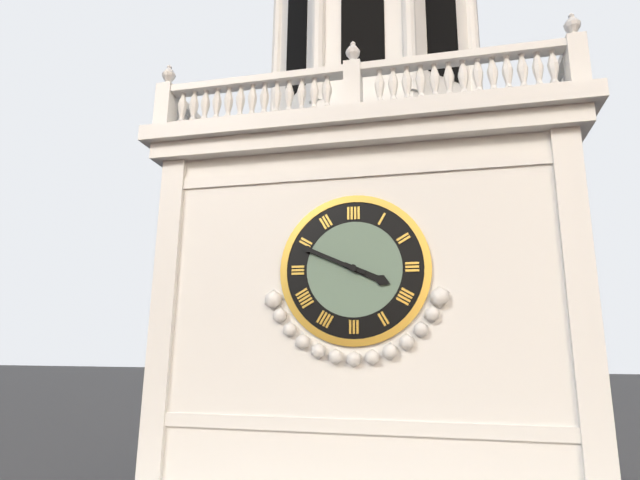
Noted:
3,49
